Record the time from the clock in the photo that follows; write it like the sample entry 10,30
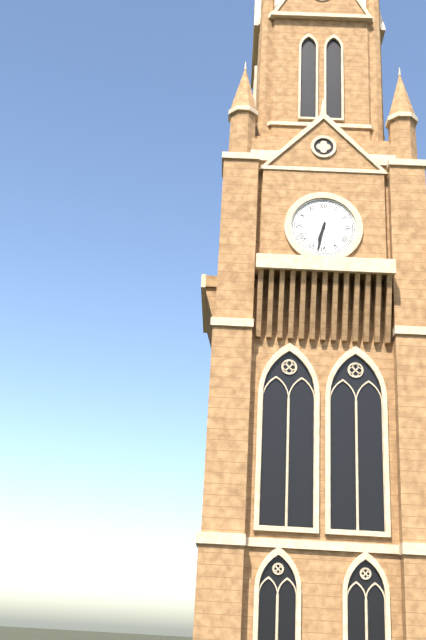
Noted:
6,32
